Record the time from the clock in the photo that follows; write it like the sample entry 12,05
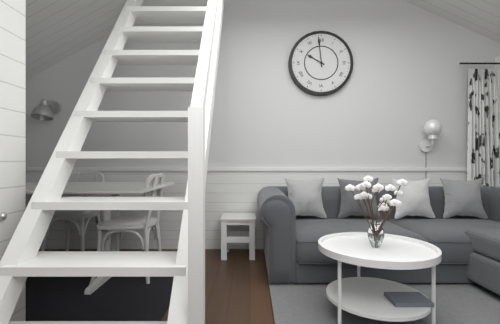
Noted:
9,59
